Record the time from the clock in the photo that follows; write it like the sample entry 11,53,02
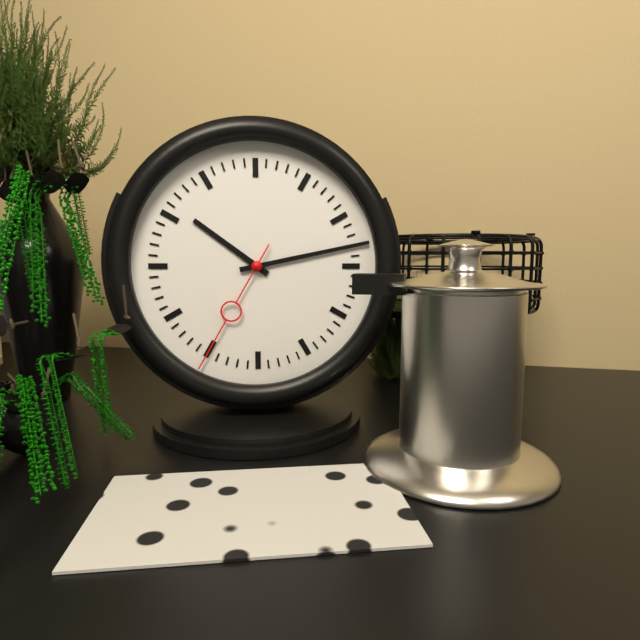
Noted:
10,13,35
